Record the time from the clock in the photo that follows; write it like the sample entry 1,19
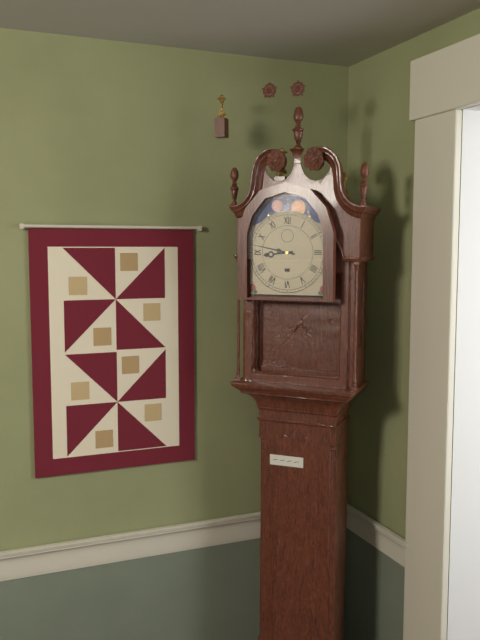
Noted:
8,47
